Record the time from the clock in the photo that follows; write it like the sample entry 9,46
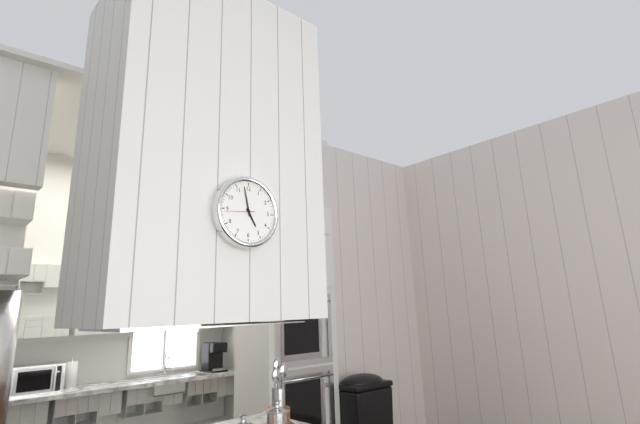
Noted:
4,58
